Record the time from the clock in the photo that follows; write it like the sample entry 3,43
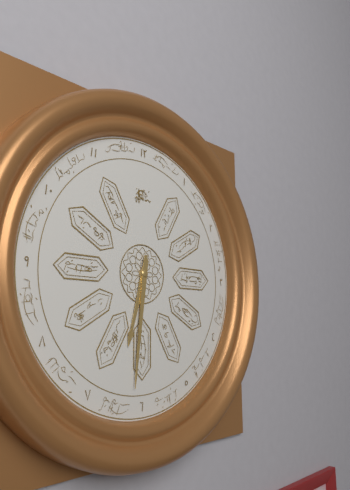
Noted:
6,31
